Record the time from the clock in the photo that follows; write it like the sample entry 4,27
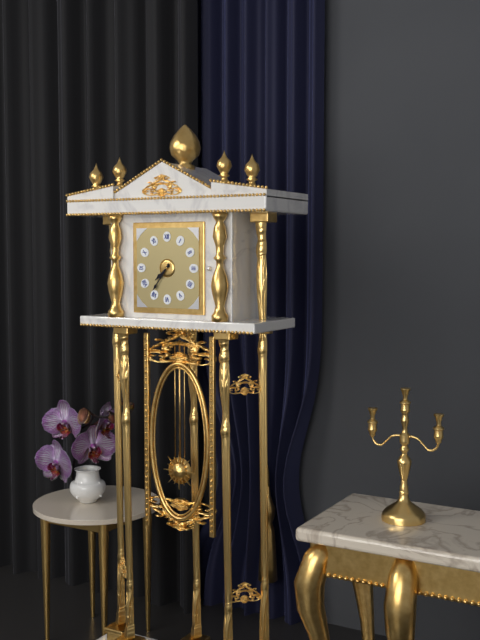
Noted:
7,36
